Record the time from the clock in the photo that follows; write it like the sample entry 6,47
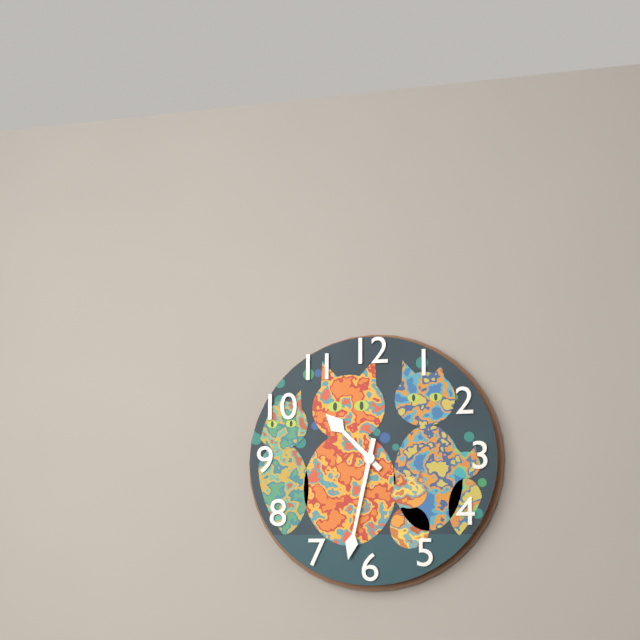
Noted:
10,32
